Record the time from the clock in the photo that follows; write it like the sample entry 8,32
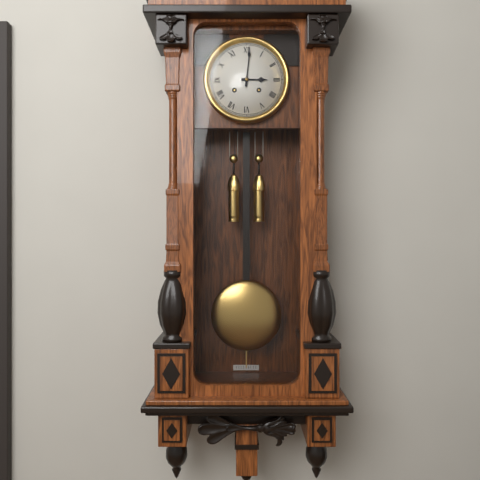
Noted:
3,01
